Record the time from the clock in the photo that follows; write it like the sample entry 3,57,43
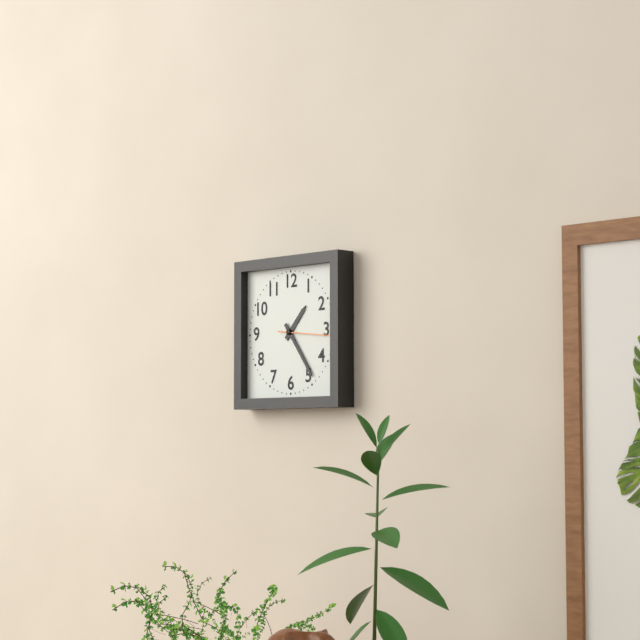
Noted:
1,24,16
